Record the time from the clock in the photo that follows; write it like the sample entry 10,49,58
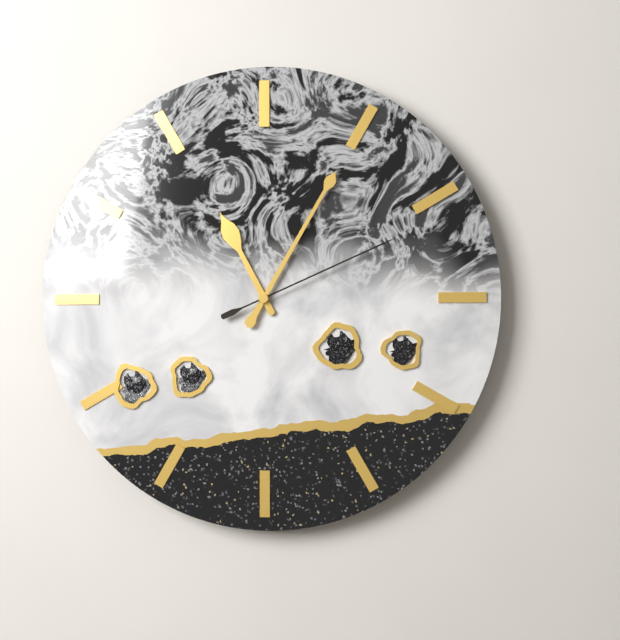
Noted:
11,05,11
